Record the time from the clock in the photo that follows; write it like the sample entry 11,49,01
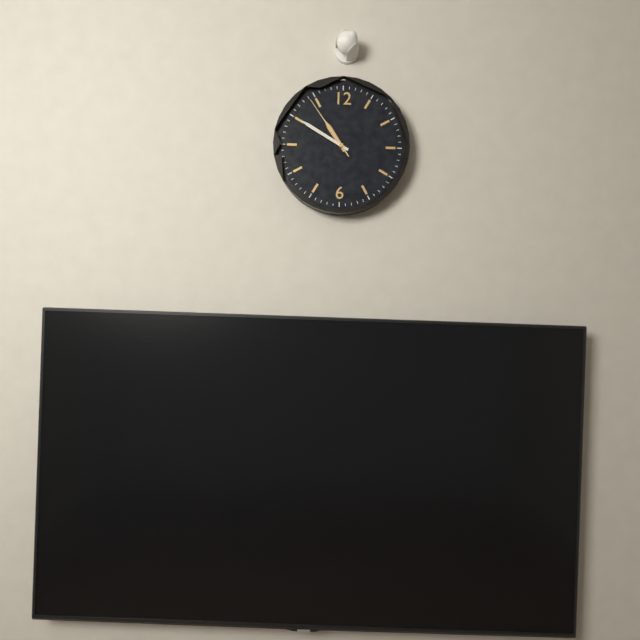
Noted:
10,50,54
